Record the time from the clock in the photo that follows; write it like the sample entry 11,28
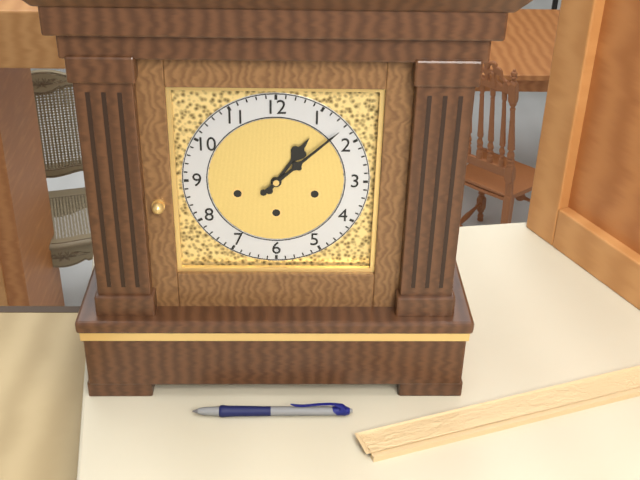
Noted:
1,08
